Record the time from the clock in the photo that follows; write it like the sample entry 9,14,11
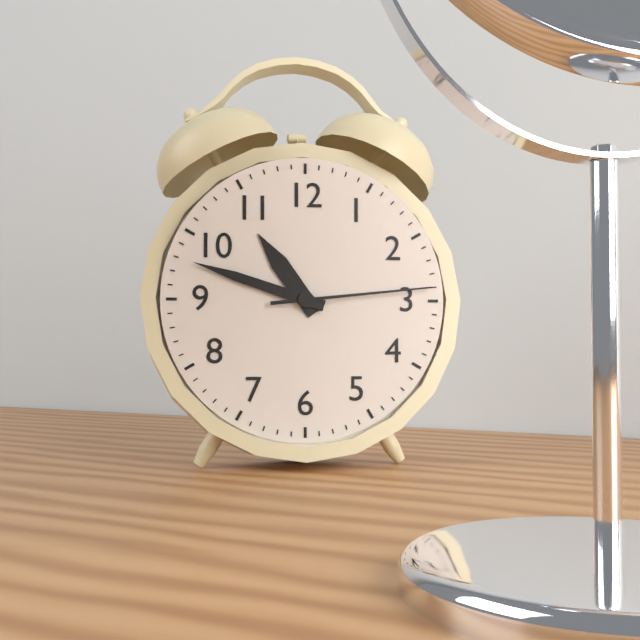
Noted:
10,48,14
